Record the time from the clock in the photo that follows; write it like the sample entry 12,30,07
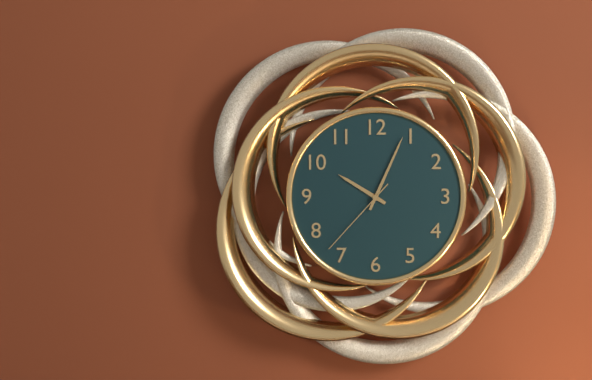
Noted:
10,04,37
